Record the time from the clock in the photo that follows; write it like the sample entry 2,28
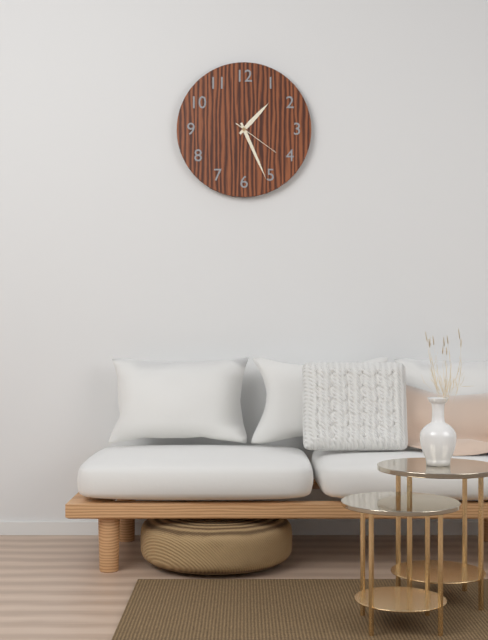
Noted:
1,26
